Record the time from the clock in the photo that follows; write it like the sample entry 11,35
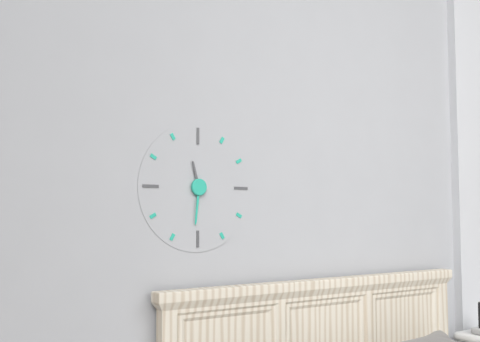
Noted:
11,31
